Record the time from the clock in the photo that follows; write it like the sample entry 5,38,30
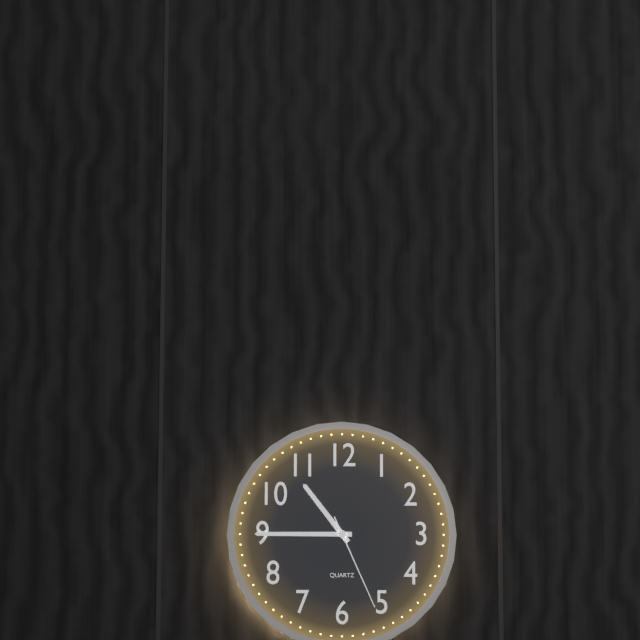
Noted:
10,45,26
